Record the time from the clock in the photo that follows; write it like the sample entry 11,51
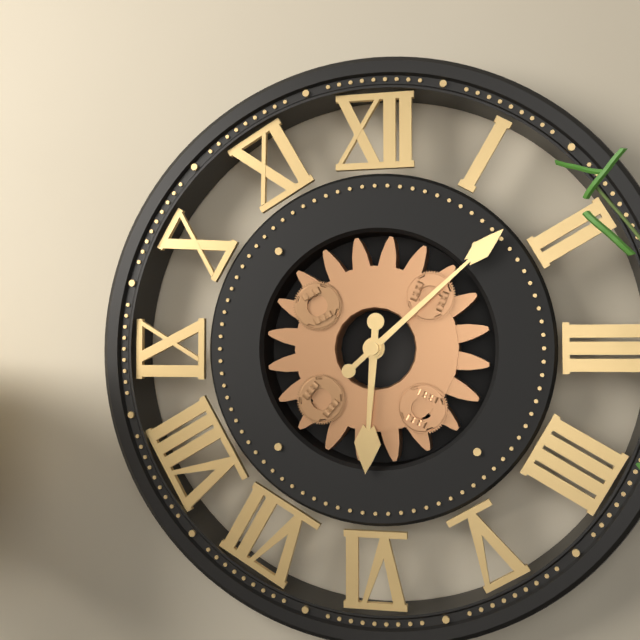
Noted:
6,08
